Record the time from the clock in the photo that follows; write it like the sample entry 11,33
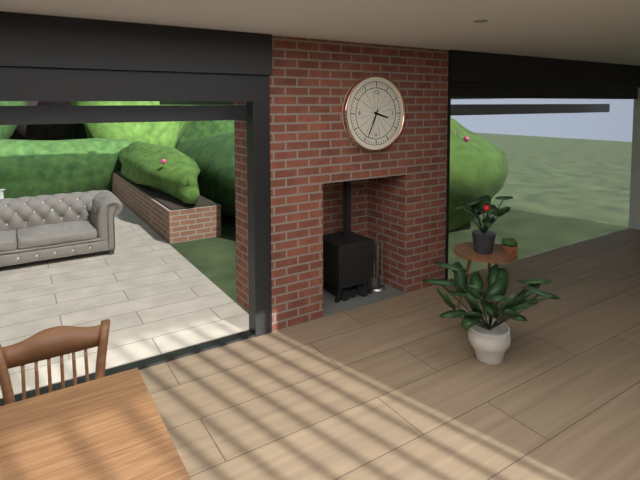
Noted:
3,34
